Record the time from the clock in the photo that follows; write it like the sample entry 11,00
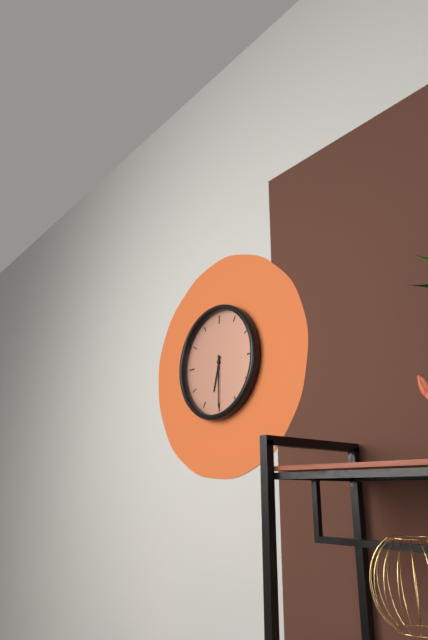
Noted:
6,30
